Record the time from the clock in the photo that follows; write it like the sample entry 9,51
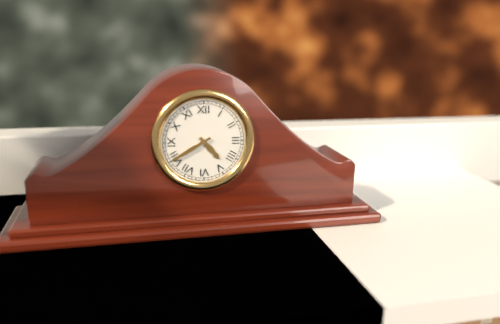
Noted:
4,40
